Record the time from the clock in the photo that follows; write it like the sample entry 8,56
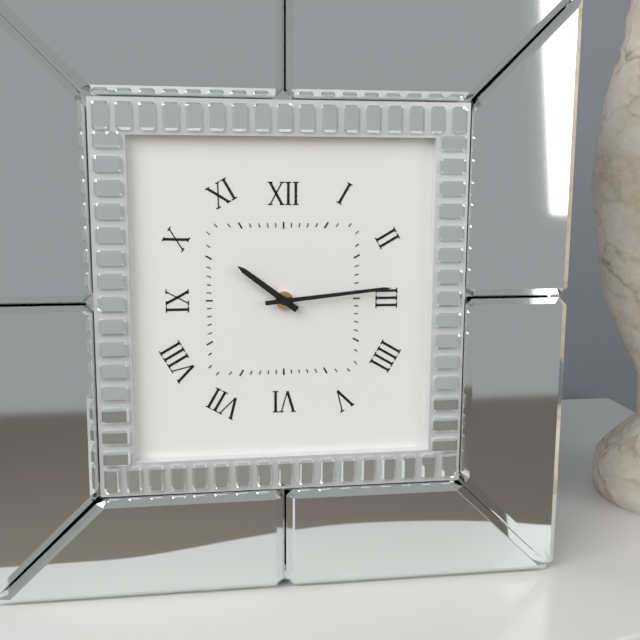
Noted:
10,14
